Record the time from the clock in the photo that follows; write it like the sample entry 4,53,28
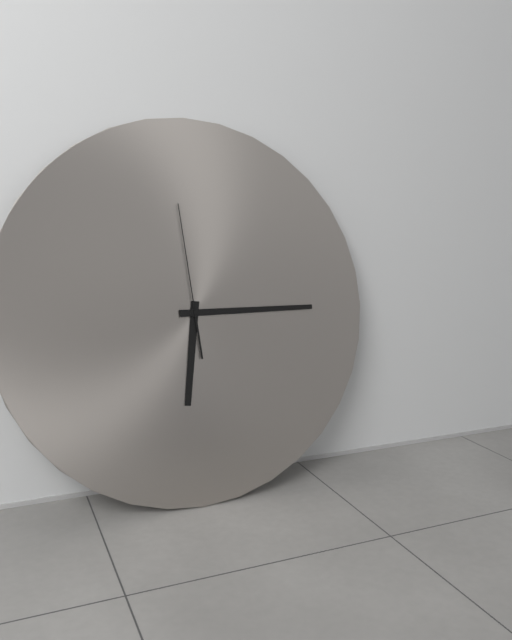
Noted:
6,15,59
